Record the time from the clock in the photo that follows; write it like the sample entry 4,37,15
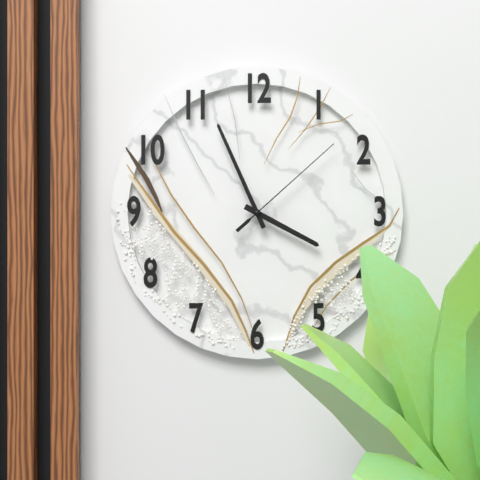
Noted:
3,56,08
